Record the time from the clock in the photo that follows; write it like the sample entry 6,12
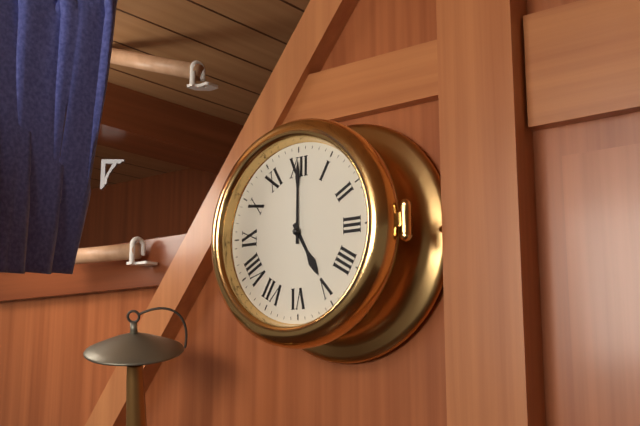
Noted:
5,00
